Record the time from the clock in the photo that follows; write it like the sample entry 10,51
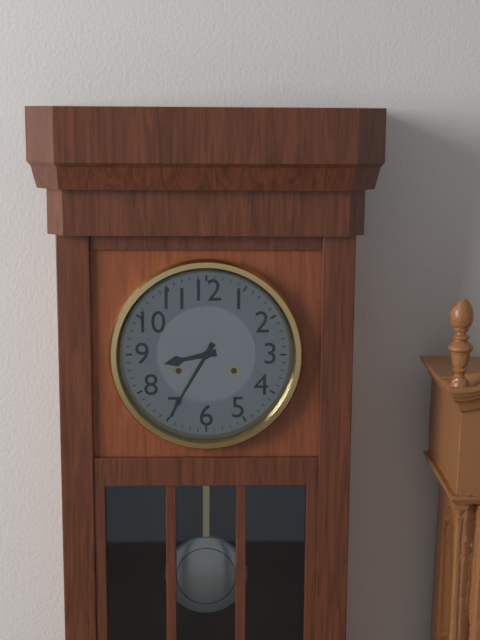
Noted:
8,35
